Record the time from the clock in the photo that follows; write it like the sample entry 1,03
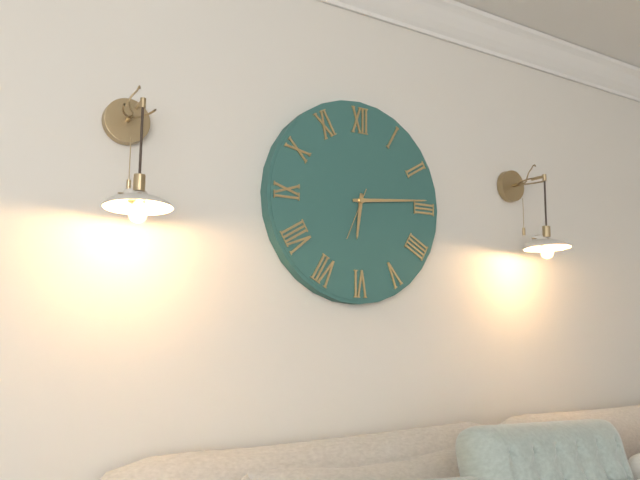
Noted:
6,14
